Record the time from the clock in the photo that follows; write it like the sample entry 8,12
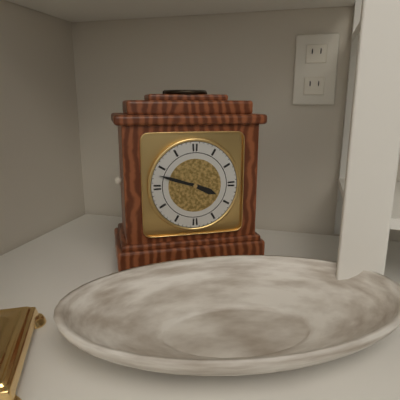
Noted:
3,48
